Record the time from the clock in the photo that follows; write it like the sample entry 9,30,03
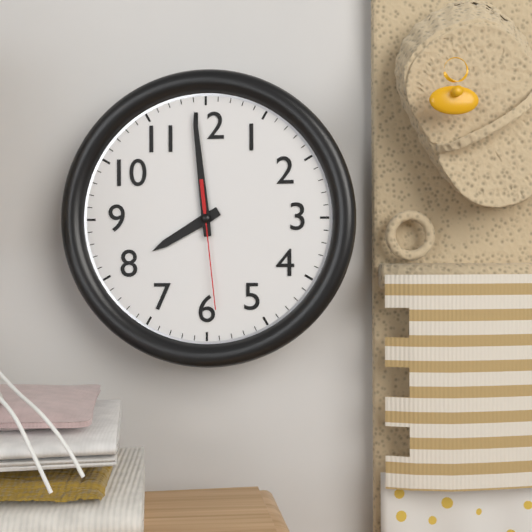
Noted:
7,59,29
